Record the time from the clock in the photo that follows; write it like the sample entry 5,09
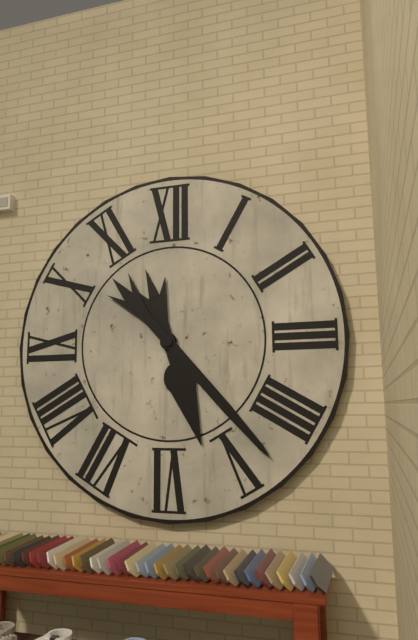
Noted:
5,23
